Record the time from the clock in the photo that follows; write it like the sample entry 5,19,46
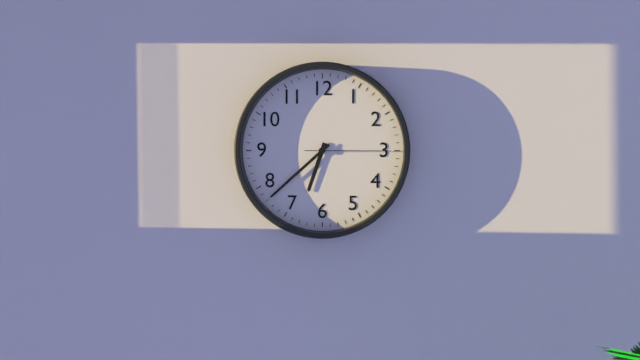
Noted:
6,38,15
